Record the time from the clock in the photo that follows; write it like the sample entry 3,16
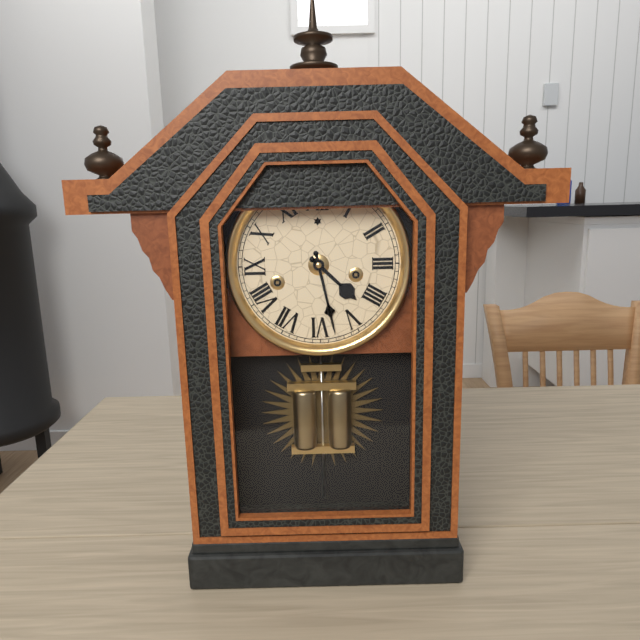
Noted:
4,28
